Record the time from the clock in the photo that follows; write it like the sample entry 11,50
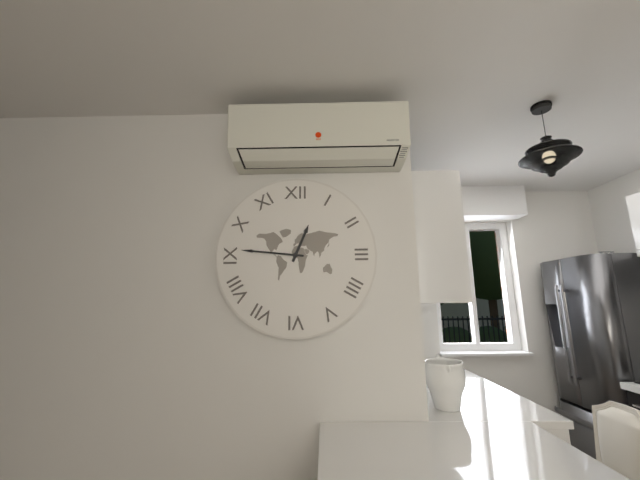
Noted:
12,46
